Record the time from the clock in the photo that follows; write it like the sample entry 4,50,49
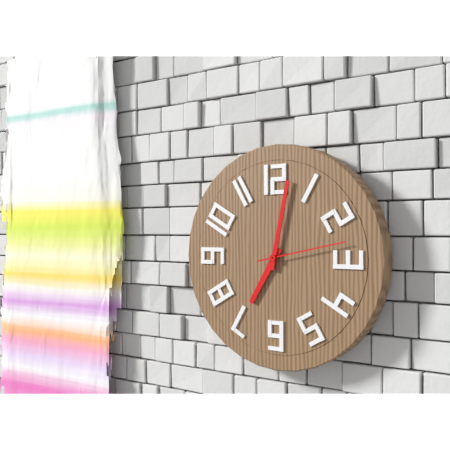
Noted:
7,02,13
